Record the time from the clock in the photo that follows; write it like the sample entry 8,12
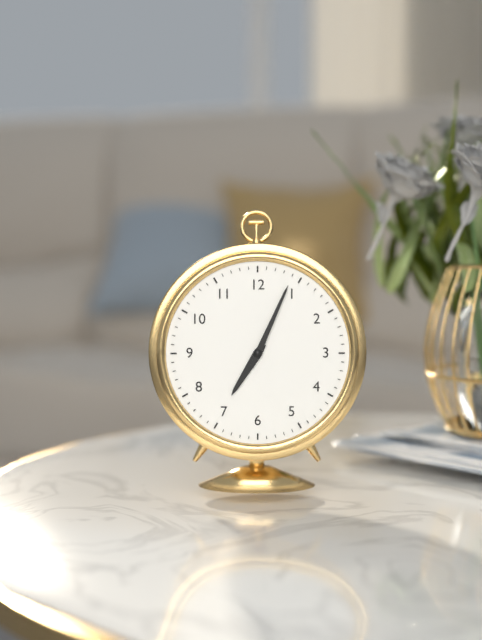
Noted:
7,04
